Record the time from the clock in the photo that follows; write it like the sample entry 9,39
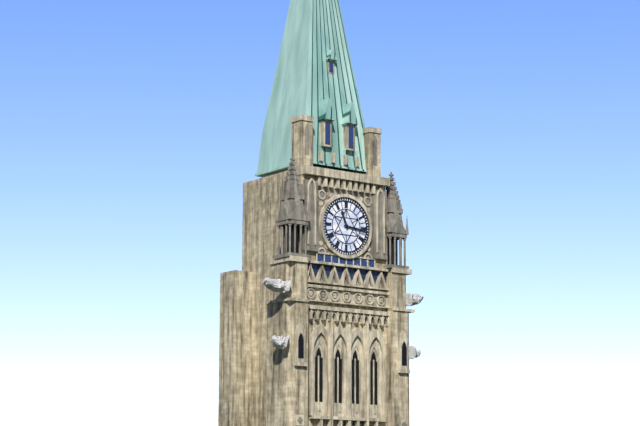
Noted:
11,16
